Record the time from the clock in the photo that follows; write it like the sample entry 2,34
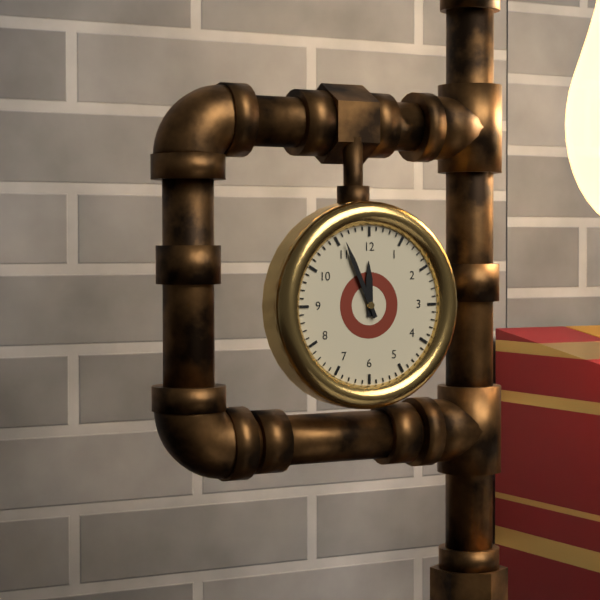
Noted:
11,56
